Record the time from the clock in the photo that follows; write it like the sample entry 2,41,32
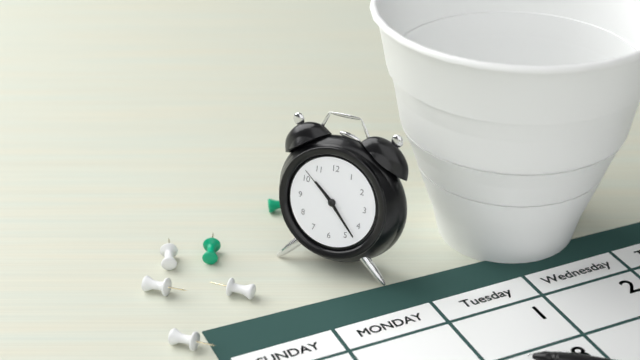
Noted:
10,23,52
